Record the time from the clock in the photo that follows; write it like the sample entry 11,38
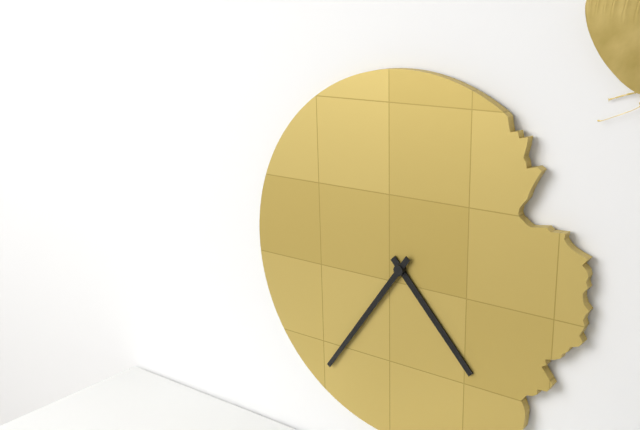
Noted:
4,36
